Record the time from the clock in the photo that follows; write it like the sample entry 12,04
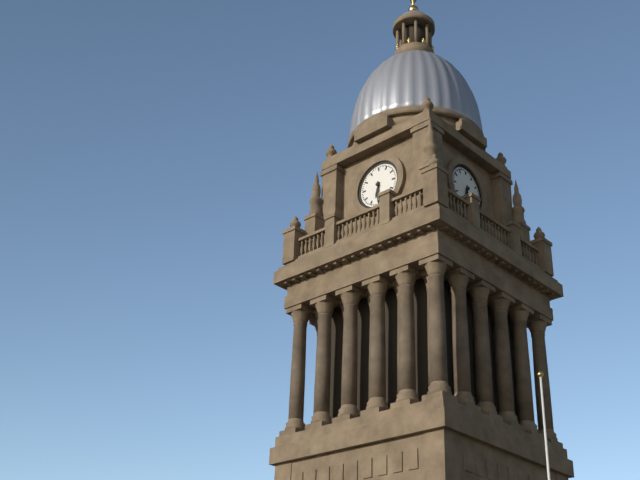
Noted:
6,30
